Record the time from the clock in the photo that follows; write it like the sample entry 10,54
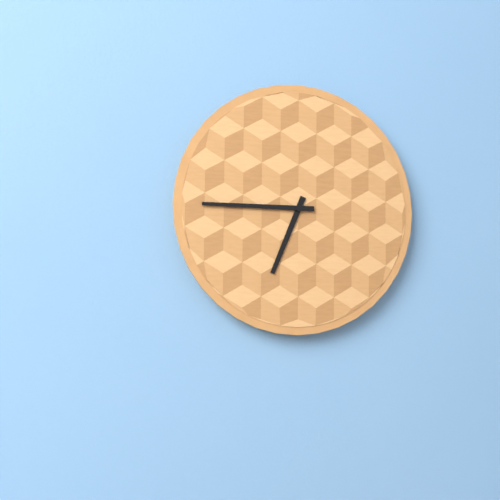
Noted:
6,45
